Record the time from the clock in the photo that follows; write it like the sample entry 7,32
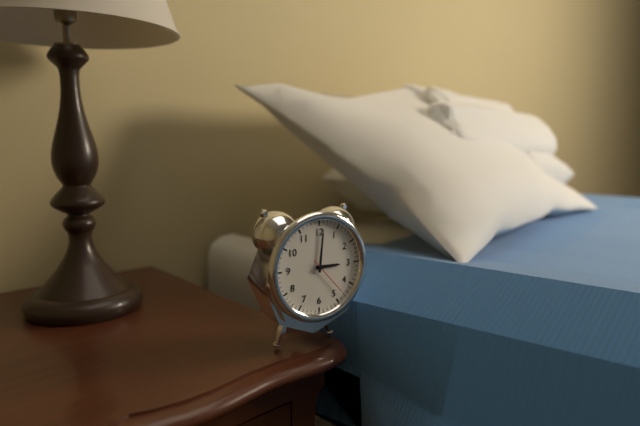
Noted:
3,01
